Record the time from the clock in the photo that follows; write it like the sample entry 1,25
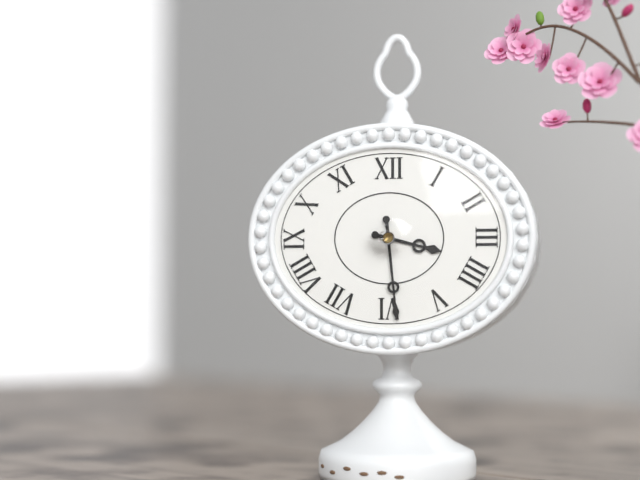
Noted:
3,29
